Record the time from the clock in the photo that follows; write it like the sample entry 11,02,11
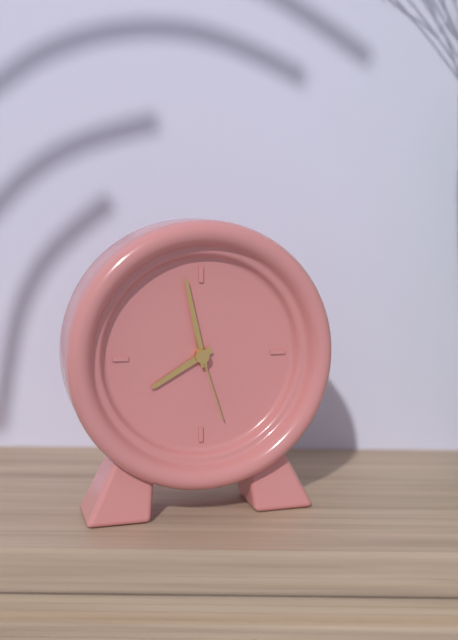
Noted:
7,58,27
